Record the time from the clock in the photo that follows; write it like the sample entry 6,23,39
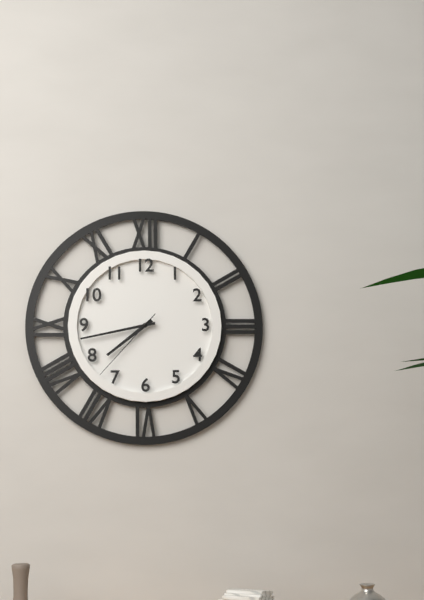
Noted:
7,43,37
